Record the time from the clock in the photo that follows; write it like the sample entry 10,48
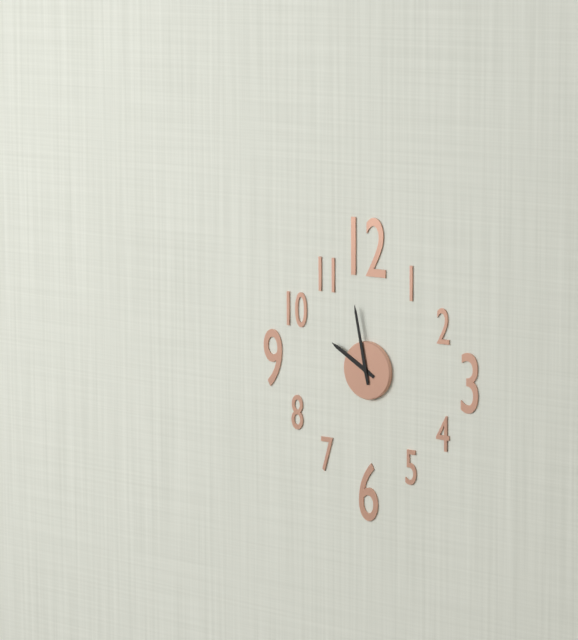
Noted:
9,58
